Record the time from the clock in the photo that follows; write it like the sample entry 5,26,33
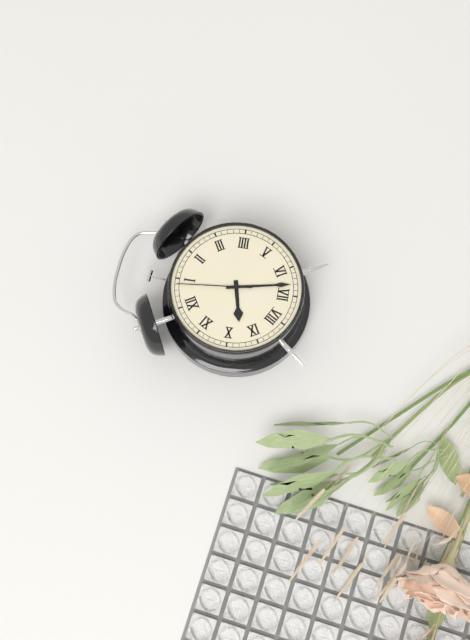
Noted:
9,33,04
